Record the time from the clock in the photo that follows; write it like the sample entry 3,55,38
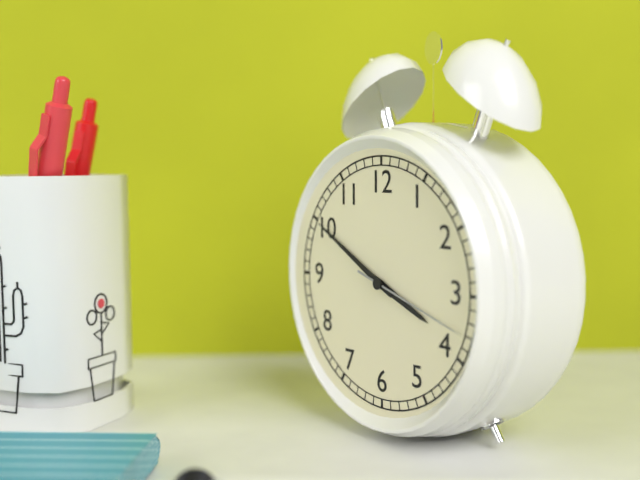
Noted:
3,50,18
